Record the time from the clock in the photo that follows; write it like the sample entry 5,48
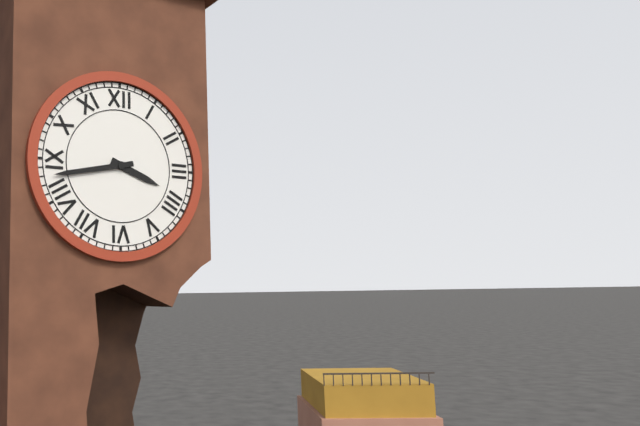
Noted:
3,43
